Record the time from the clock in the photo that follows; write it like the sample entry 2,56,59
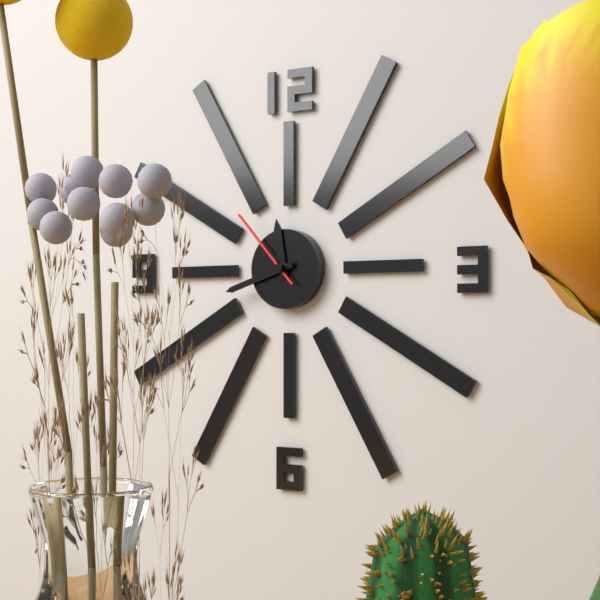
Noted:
11,42,53
